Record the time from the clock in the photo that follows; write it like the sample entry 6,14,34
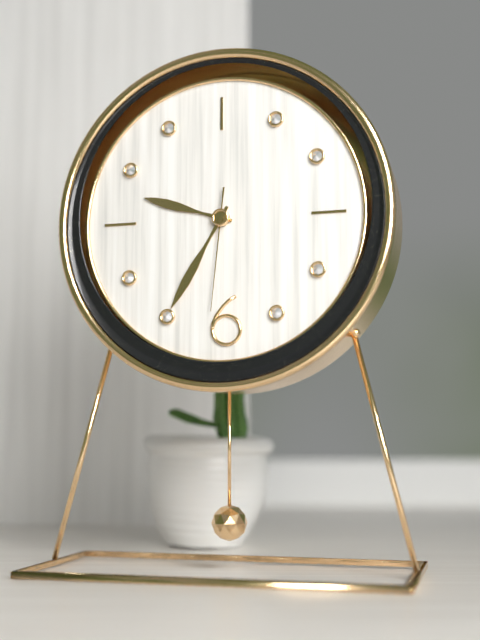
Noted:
9,35,31
